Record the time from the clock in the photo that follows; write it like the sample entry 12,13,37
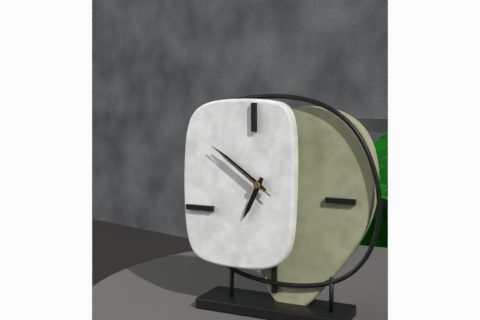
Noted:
6,51,51
